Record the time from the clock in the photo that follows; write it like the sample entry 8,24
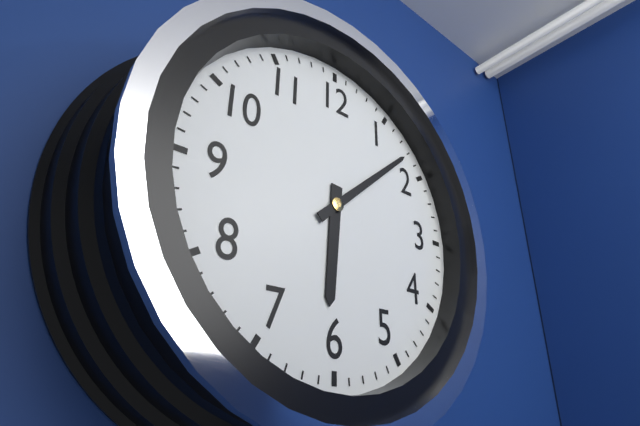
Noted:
6,08
